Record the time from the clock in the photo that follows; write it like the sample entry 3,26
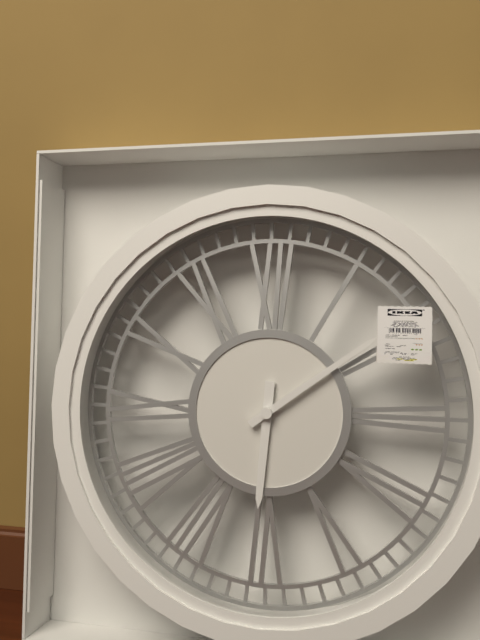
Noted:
6,09
